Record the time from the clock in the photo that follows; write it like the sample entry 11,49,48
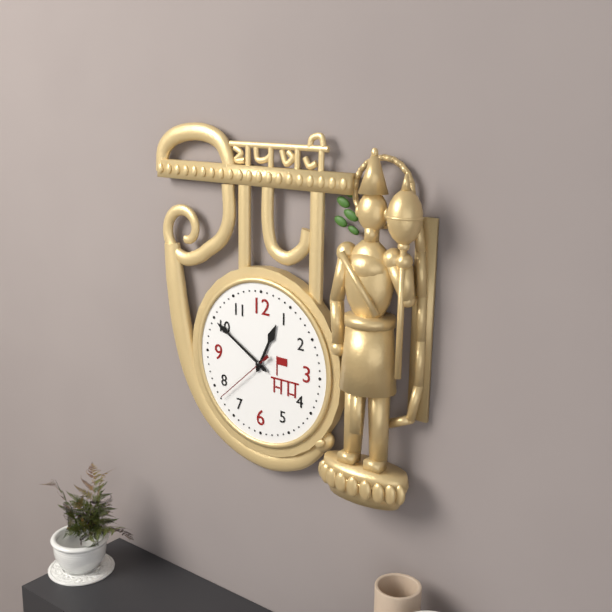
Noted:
12,50,38
